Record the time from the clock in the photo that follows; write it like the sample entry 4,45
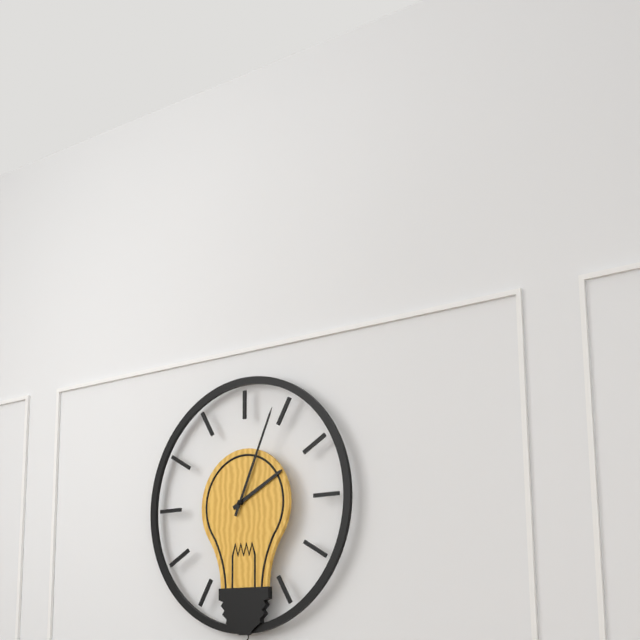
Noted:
2,04
